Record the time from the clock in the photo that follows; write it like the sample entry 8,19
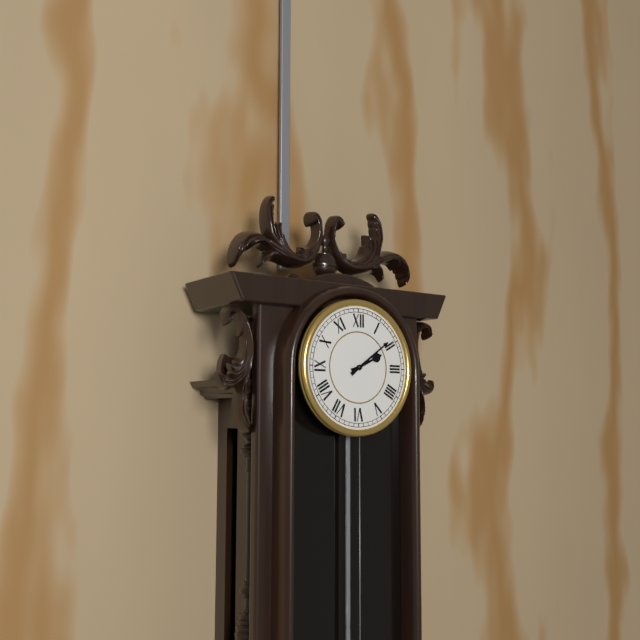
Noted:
2,09
